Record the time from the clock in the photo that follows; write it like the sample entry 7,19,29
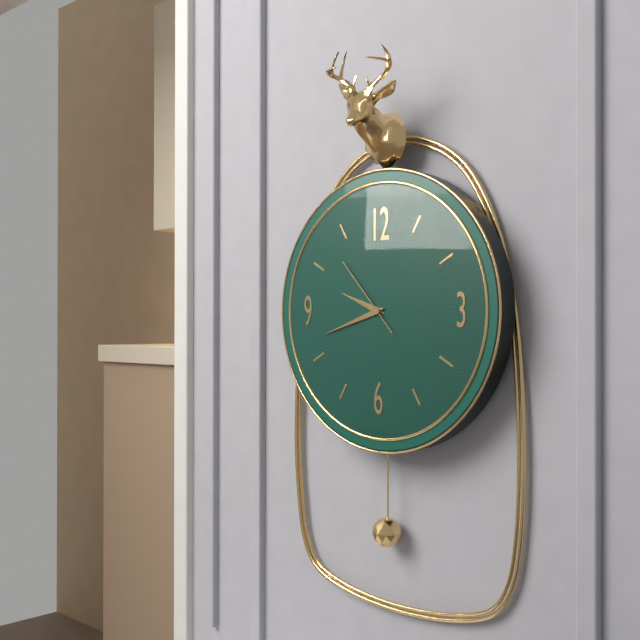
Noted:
9,42,53
